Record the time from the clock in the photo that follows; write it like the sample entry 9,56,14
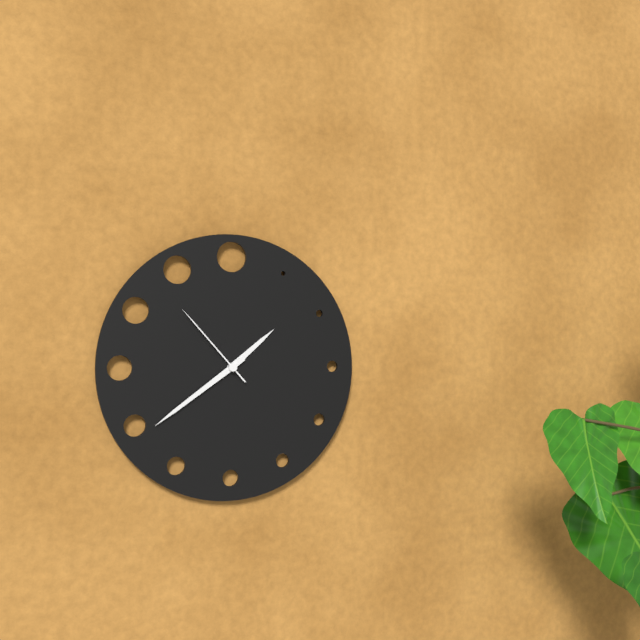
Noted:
1,39,53
